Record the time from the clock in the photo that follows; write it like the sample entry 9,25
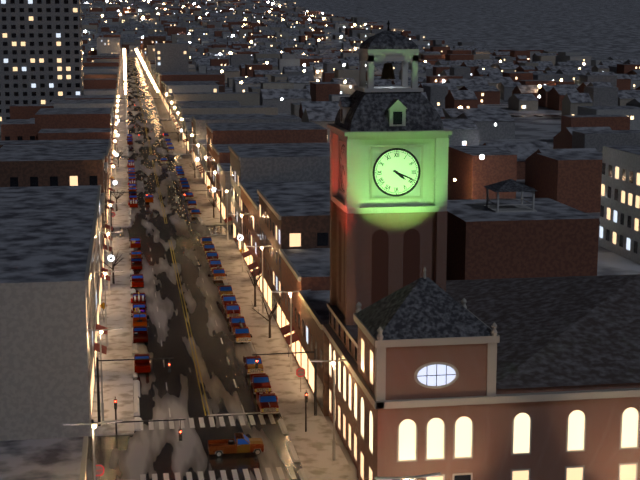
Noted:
4,19
